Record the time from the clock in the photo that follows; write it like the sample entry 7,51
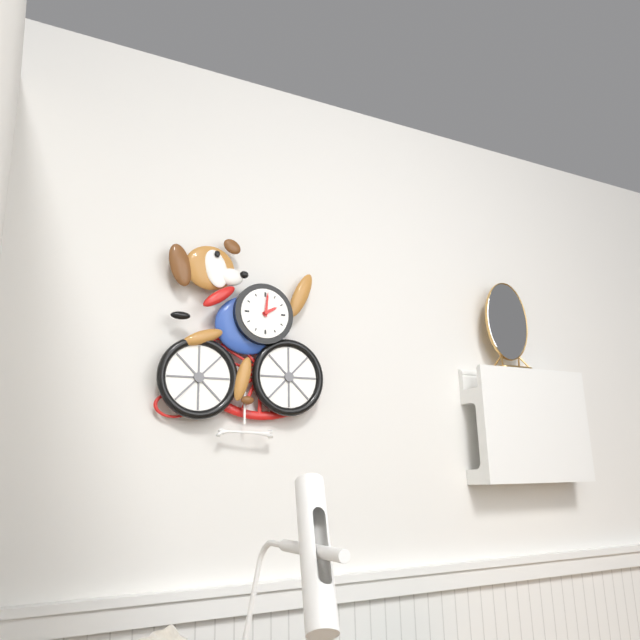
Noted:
2,01
